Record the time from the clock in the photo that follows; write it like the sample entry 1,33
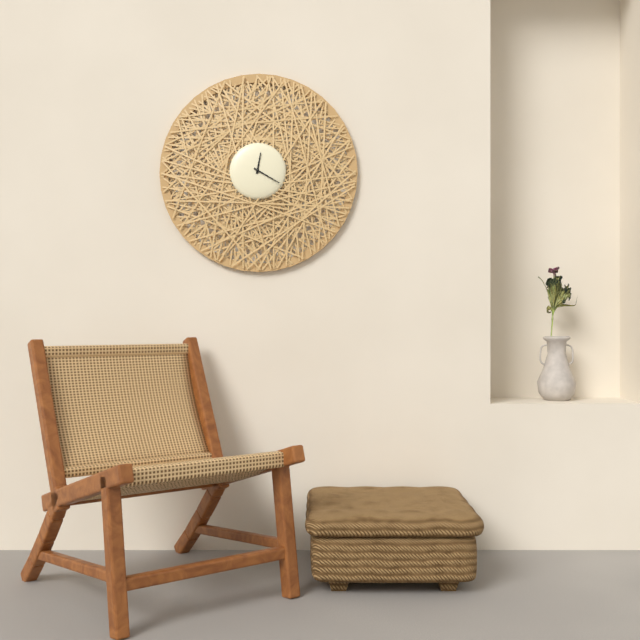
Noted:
12,20
